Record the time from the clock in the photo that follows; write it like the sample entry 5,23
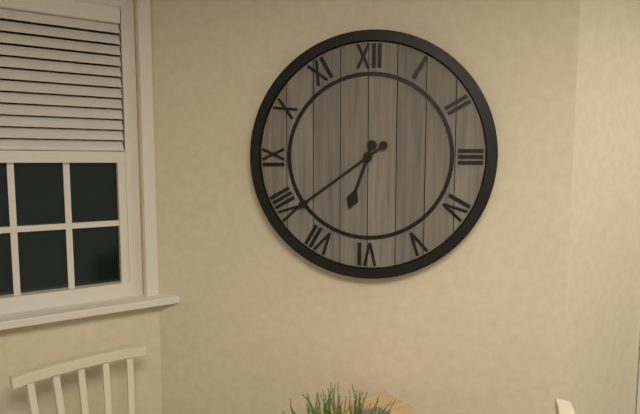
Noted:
6,39
